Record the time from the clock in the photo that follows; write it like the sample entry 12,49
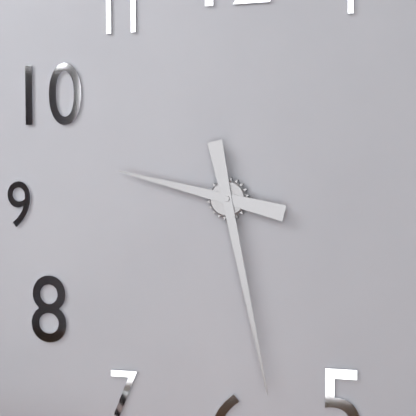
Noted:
9,28
